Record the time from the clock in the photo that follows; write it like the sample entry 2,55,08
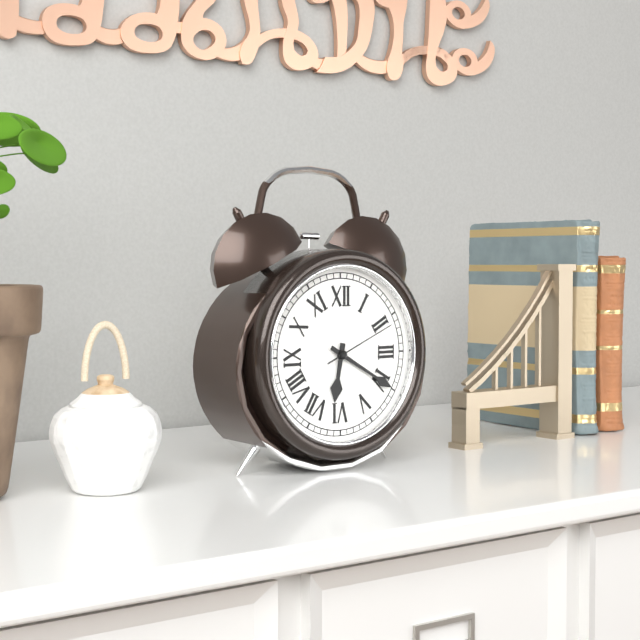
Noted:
6,20,11
